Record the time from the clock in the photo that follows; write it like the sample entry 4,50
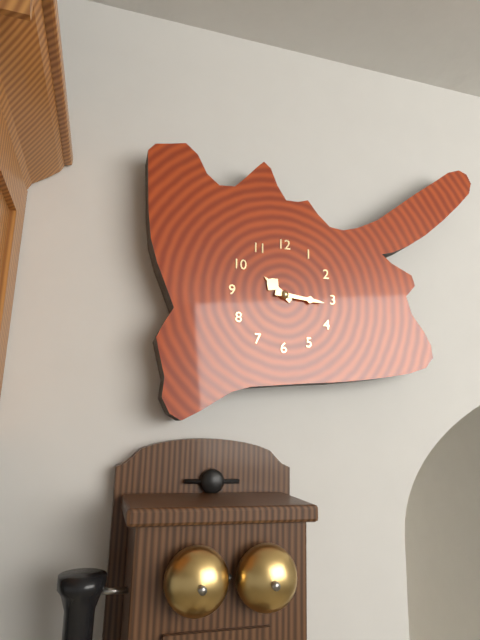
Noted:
10,16
